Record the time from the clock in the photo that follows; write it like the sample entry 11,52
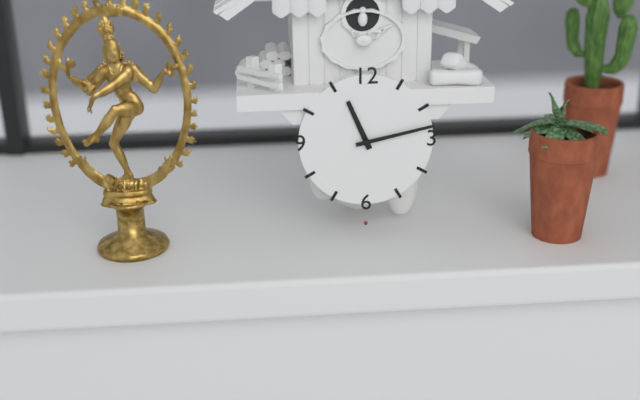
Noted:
11,13
